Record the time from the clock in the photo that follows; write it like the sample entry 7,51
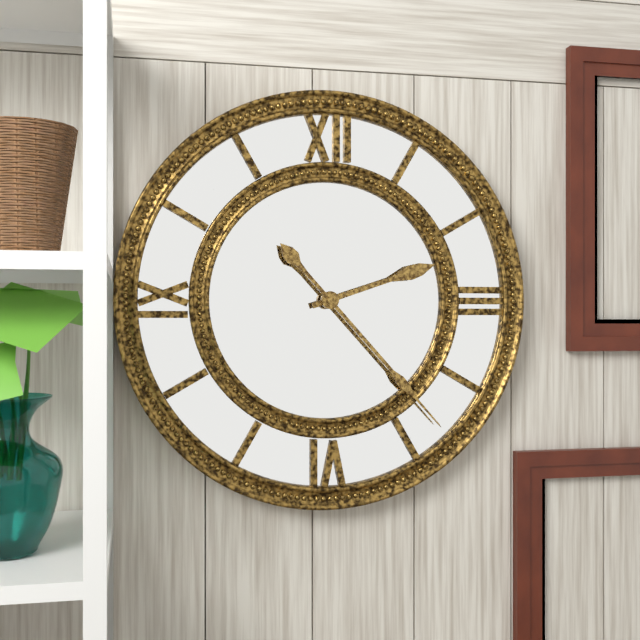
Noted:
2,23
